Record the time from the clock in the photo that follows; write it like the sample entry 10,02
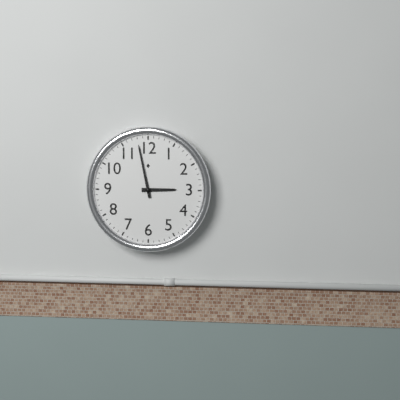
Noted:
2,58
